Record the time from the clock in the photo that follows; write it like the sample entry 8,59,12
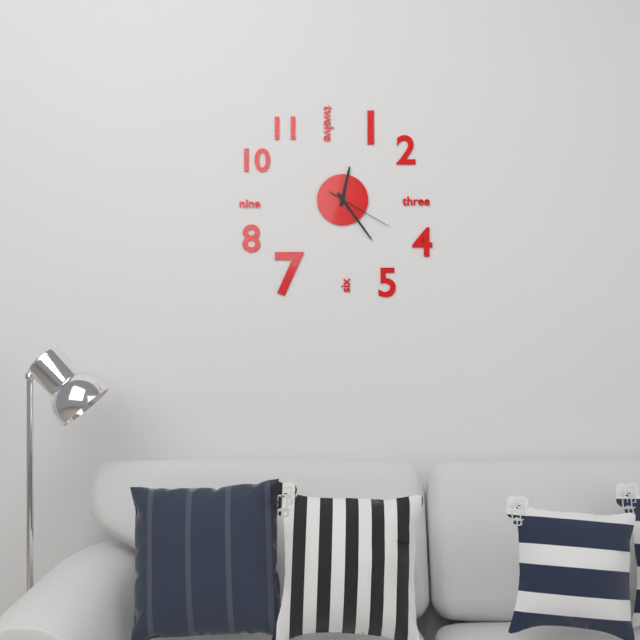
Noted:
12,24,20
